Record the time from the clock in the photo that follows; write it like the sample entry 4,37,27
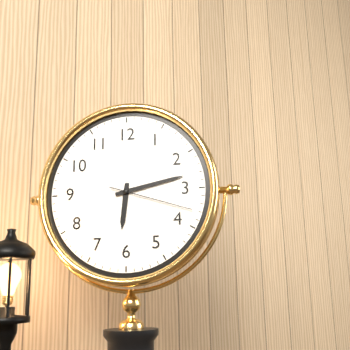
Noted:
6,13,18
